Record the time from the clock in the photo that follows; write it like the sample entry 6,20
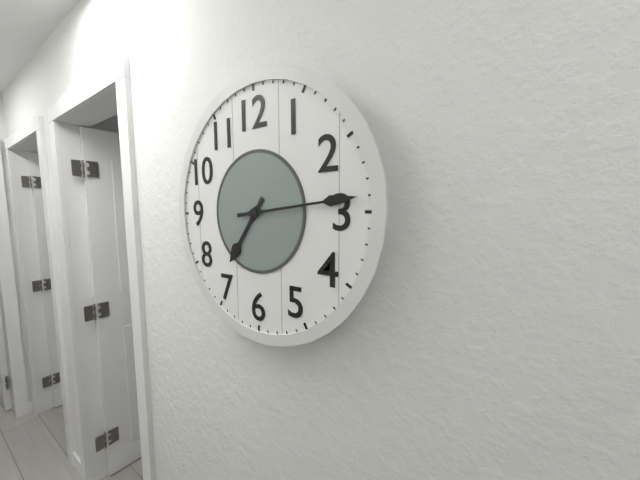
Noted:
7,14
